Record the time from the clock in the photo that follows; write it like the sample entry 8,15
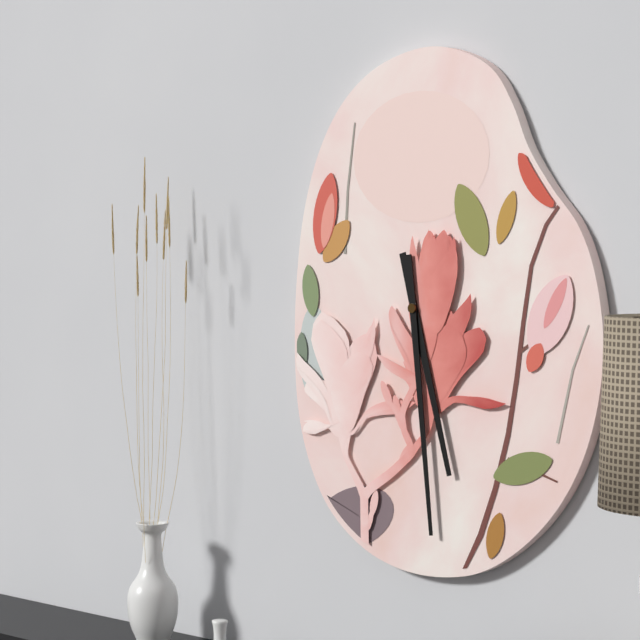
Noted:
5,29
